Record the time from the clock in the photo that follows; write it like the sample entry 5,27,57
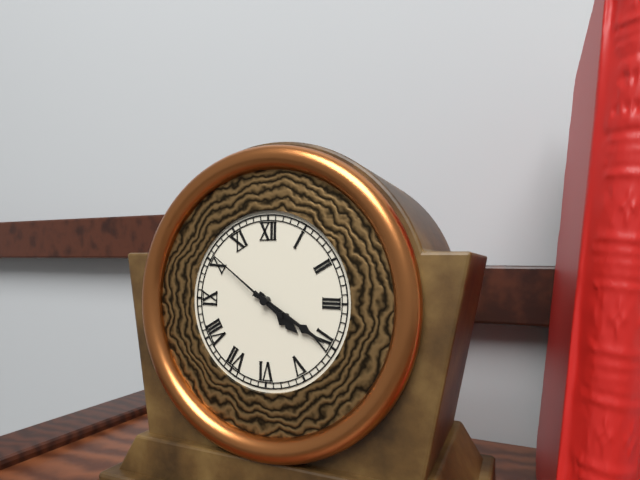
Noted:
4,20,51
